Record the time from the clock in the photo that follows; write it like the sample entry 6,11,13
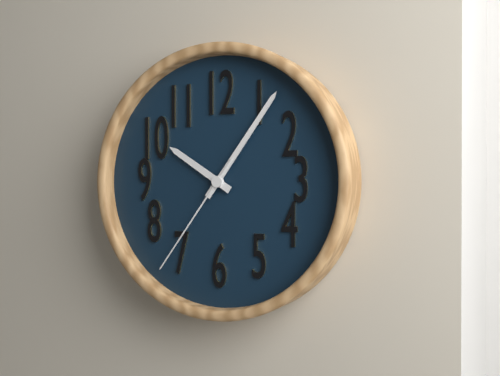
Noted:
10,06,36
